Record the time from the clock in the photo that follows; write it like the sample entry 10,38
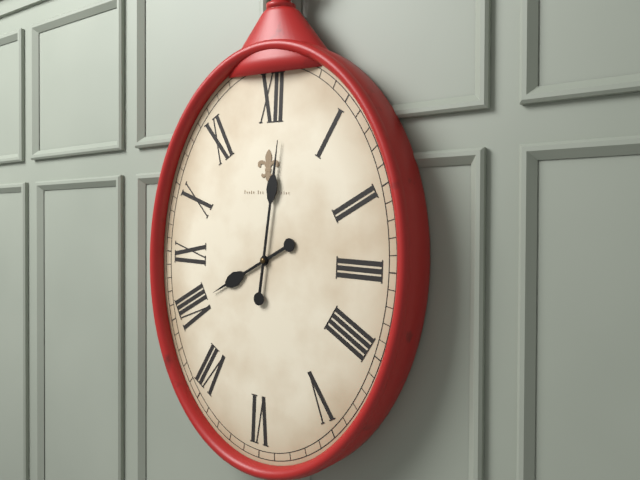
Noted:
8,01
